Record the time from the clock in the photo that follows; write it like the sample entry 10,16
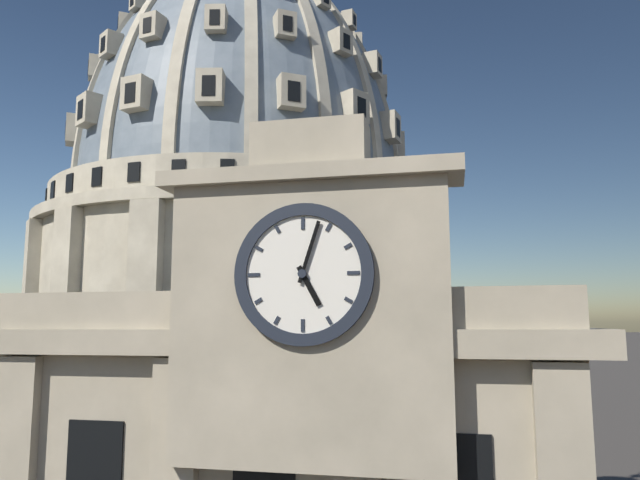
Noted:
5,03
